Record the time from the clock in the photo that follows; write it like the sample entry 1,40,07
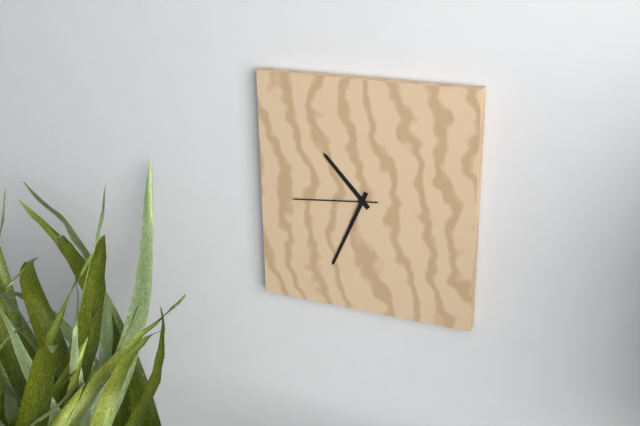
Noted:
10,34,44
